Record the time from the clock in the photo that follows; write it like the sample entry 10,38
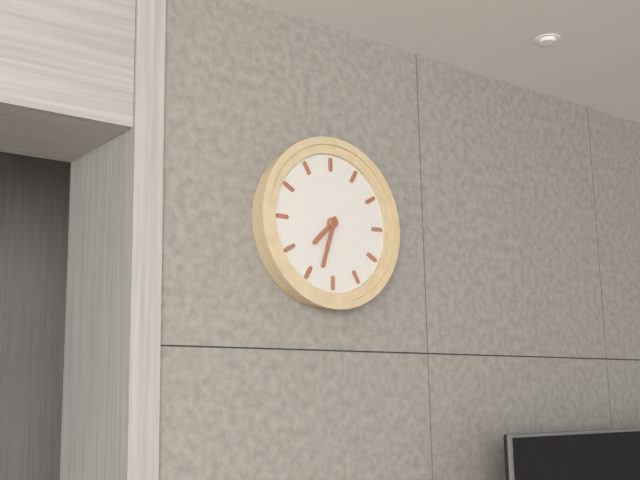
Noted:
7,33
